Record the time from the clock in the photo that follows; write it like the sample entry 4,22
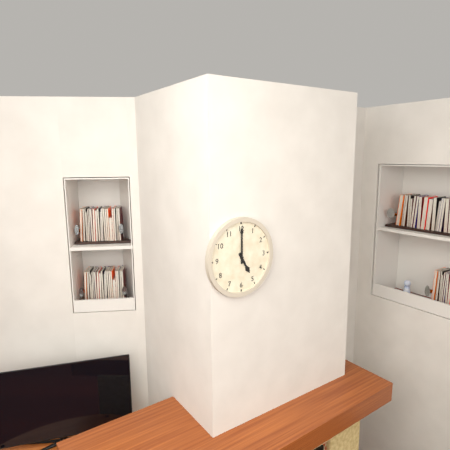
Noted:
5,00
